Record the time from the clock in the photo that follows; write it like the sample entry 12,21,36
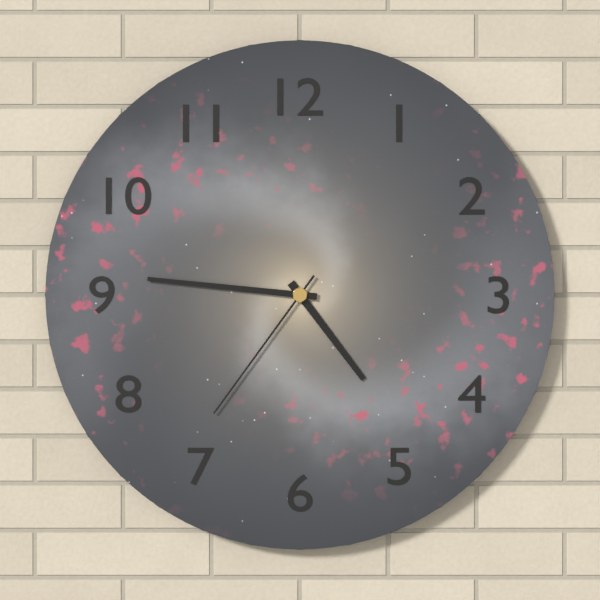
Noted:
4,46,36
